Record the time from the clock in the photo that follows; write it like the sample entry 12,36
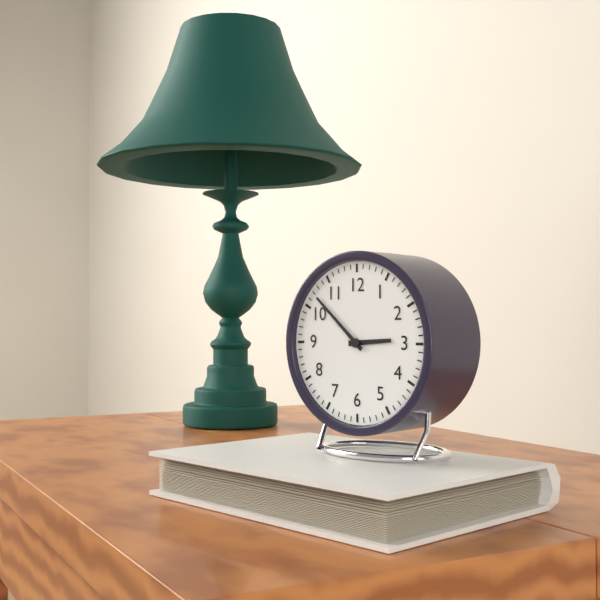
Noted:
2,52
